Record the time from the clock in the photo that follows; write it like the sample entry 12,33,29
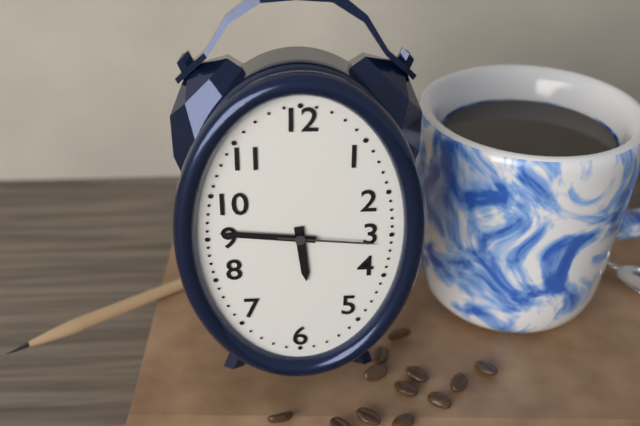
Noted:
5,46,16
